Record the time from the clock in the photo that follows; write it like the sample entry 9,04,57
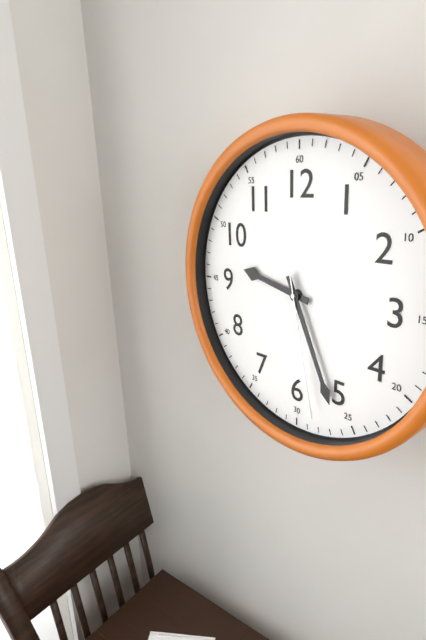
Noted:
9,26,28
